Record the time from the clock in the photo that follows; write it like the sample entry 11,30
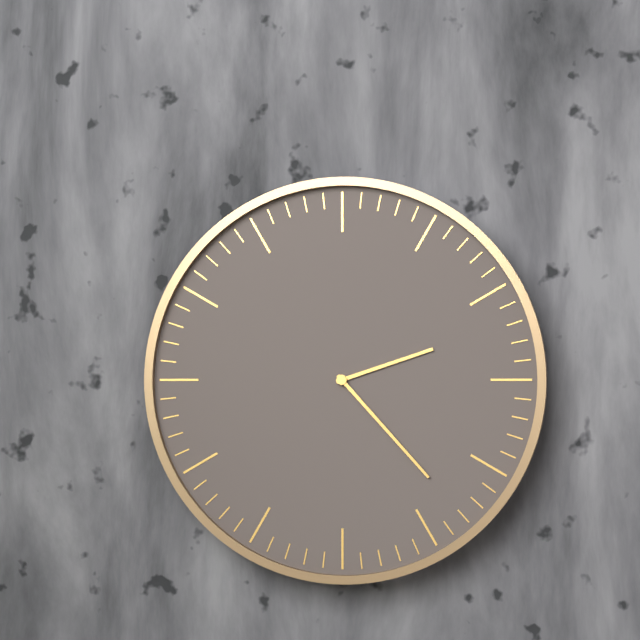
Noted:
2,23
